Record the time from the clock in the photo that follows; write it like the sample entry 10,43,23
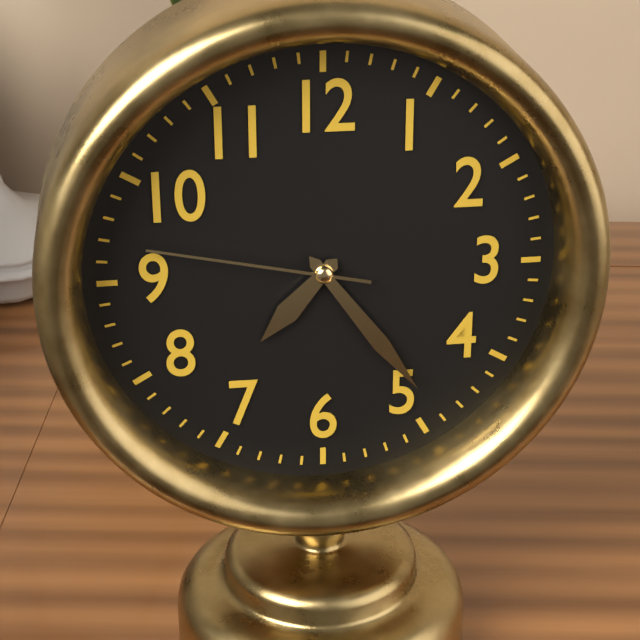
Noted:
7,24,47
